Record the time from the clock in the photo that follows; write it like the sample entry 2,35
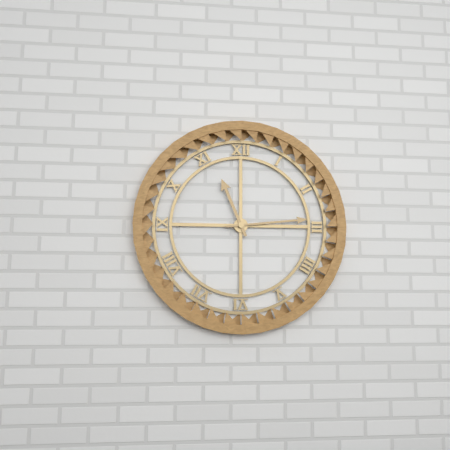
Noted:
11,14
